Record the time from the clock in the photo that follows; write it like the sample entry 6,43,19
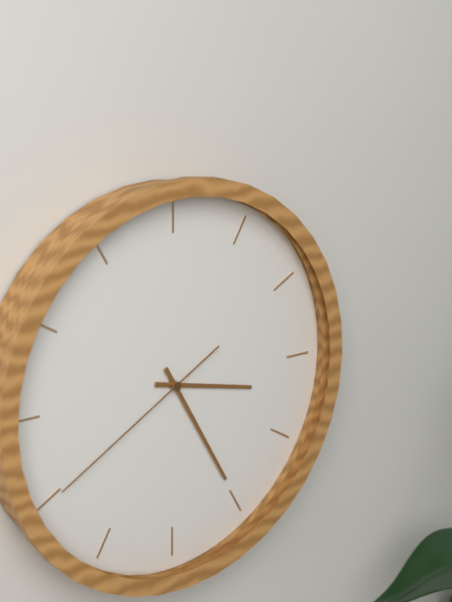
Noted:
3,25,40
